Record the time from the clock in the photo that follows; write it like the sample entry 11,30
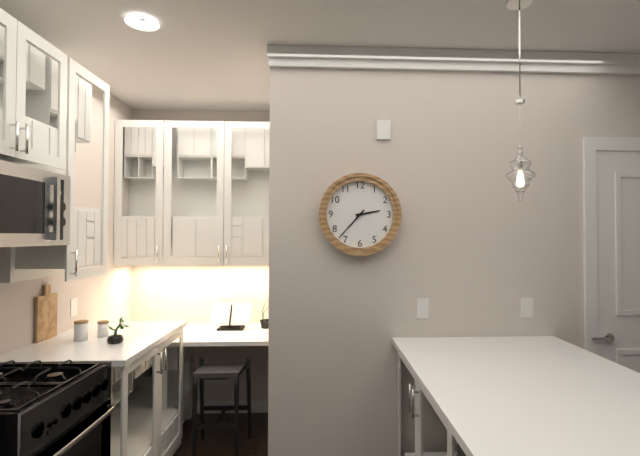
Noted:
2,37
